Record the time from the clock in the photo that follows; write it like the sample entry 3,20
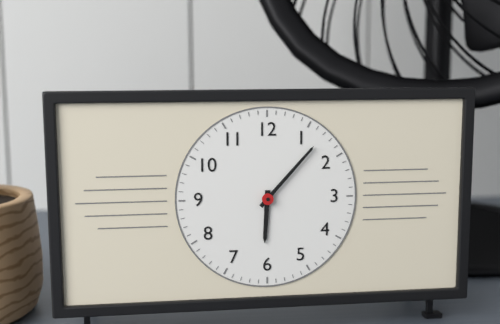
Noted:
6,07
